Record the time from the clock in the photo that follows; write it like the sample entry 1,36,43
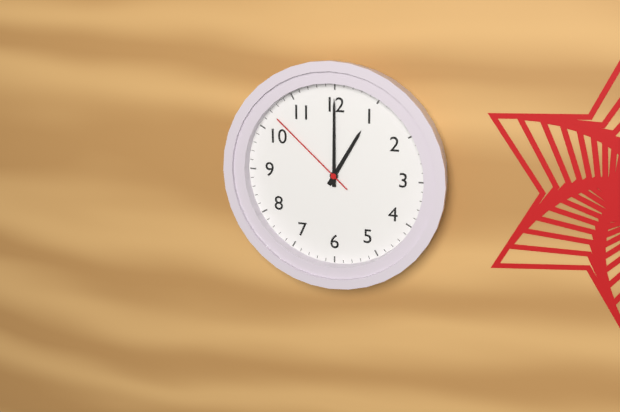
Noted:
1,00,52
